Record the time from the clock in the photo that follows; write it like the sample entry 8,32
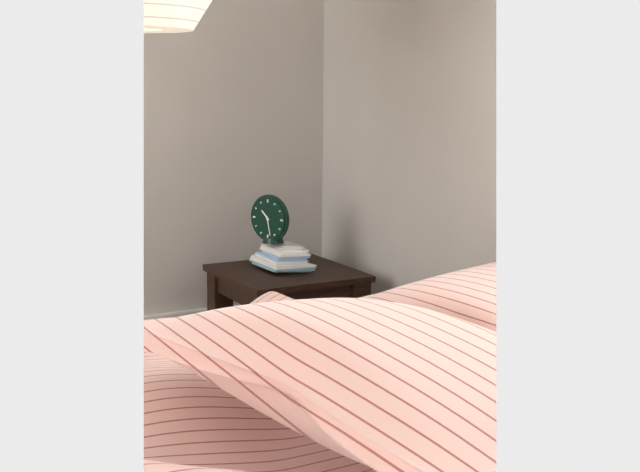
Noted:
10,28
